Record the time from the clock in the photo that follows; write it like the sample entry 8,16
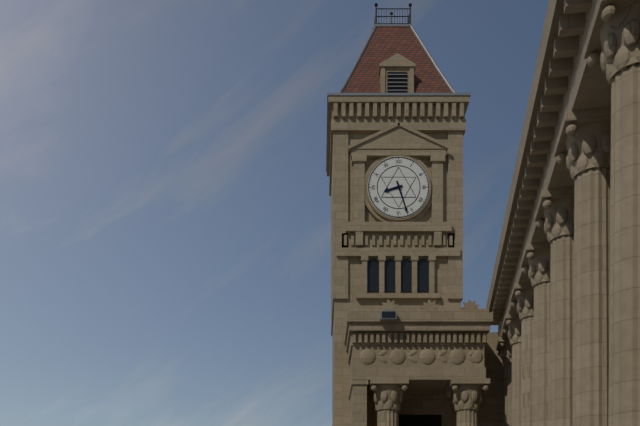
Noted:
8,27
